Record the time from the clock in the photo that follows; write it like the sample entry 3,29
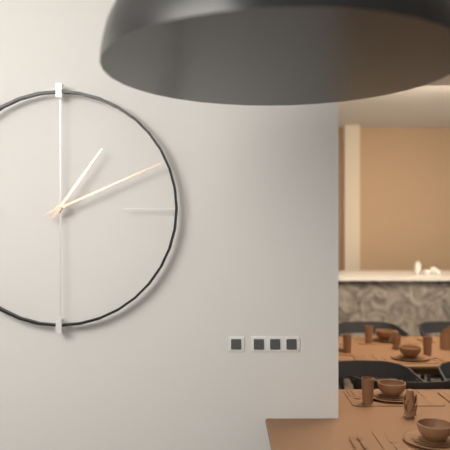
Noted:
1,11
